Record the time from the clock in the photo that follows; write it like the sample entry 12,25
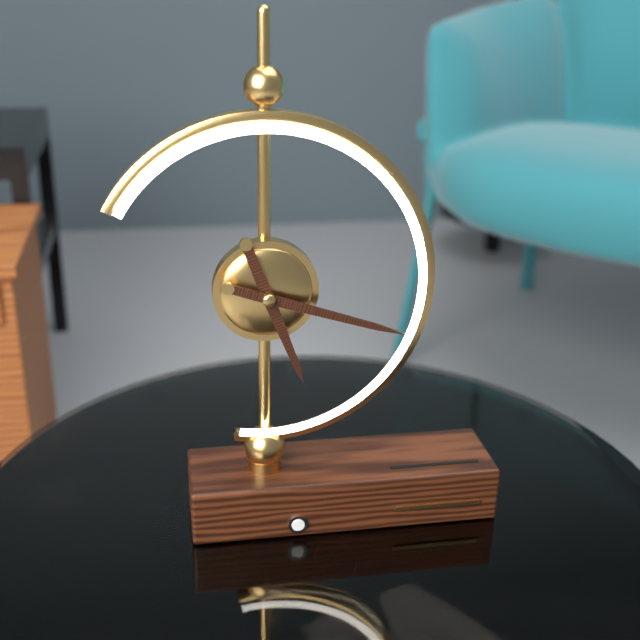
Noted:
5,18
